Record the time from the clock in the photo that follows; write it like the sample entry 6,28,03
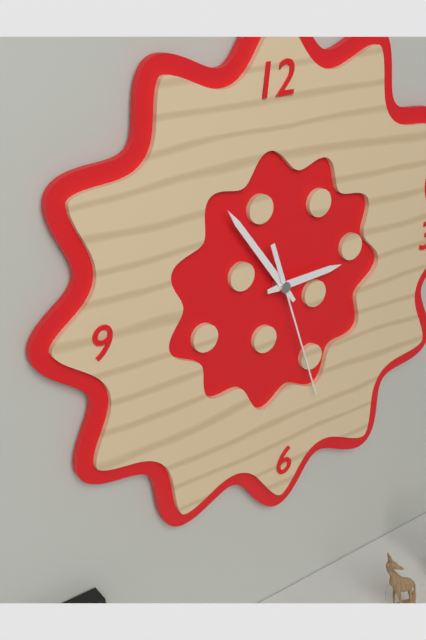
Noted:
2,54,27
